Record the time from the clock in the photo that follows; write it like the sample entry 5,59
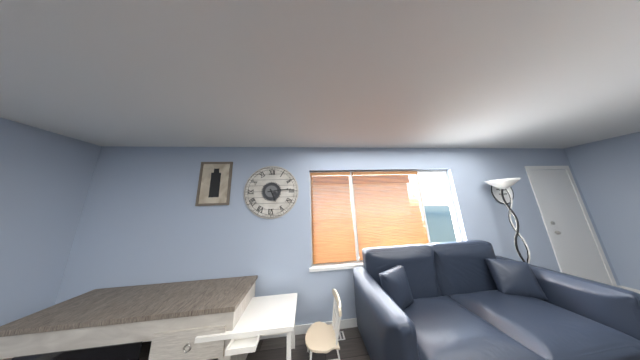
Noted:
5,14
